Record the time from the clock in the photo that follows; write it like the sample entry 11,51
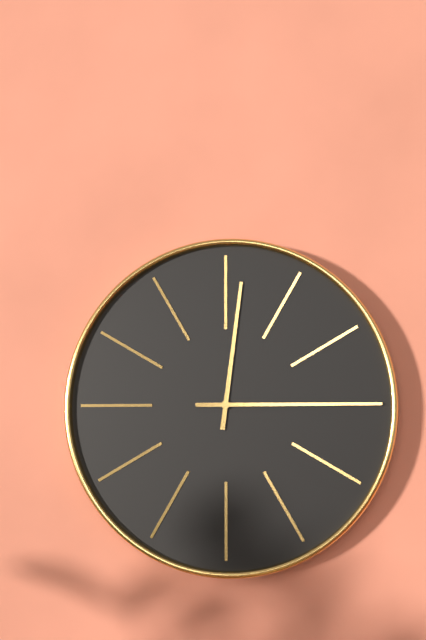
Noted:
12,15
